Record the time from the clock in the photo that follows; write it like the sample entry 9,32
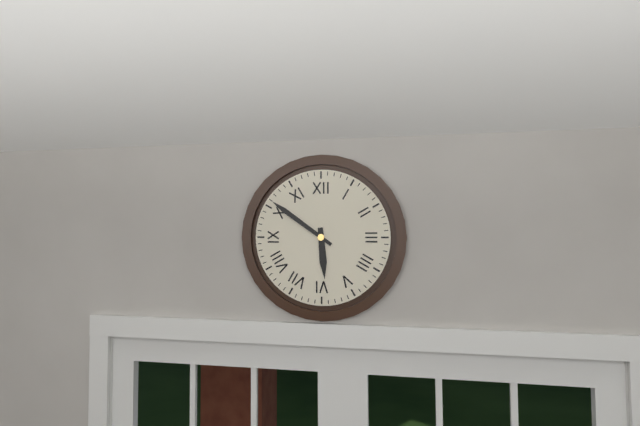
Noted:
5,51
